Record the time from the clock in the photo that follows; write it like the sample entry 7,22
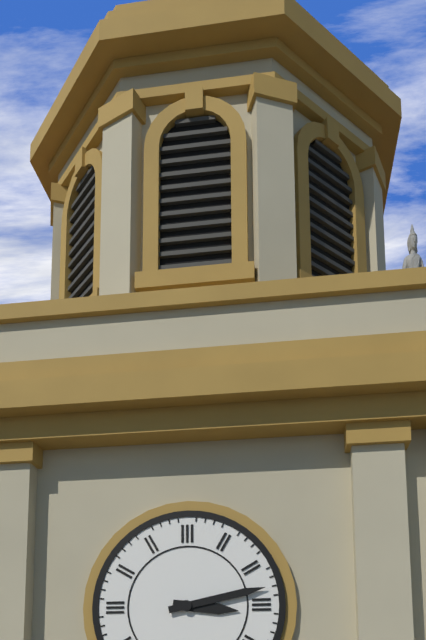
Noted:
3,13
